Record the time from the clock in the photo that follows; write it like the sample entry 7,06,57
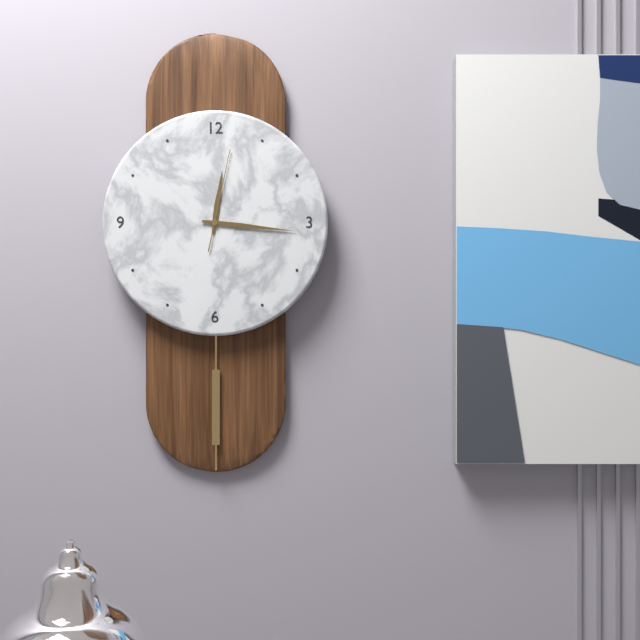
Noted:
12,16,02
